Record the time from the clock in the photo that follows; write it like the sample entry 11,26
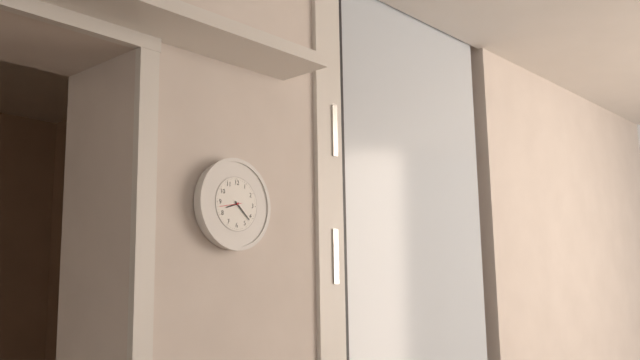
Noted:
8,22
